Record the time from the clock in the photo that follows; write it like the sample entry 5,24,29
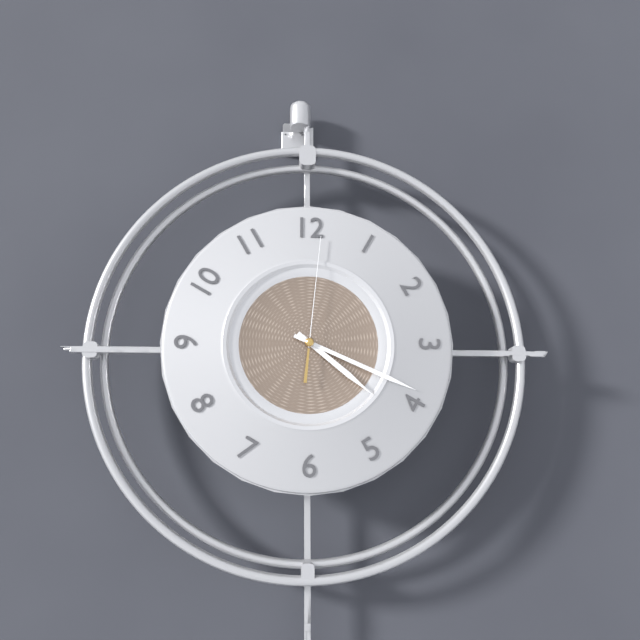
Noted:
4,19,01
